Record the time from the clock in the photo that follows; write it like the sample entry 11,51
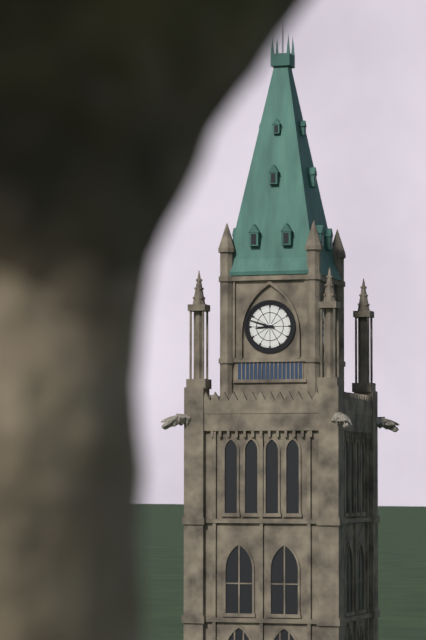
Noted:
8,48
